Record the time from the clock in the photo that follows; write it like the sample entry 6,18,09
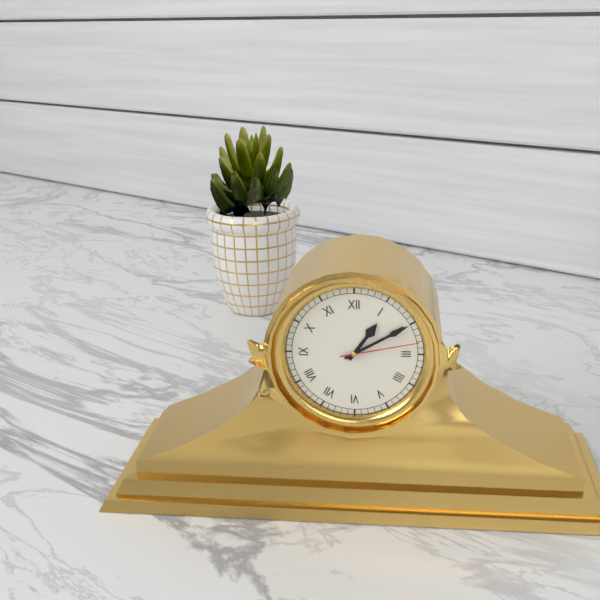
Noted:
1,10,13
